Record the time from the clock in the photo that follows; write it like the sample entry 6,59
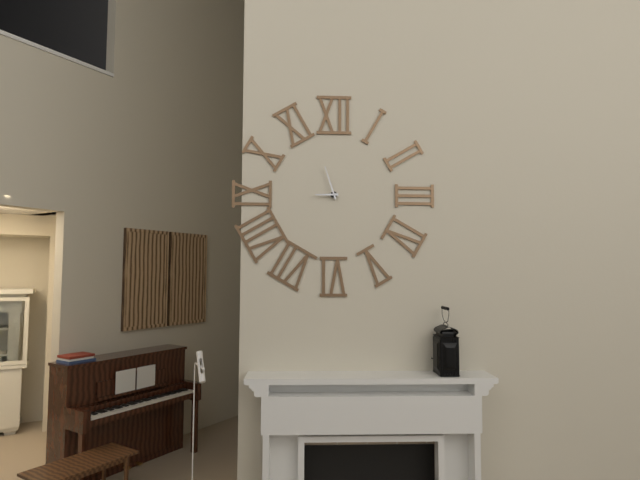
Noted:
8,57
